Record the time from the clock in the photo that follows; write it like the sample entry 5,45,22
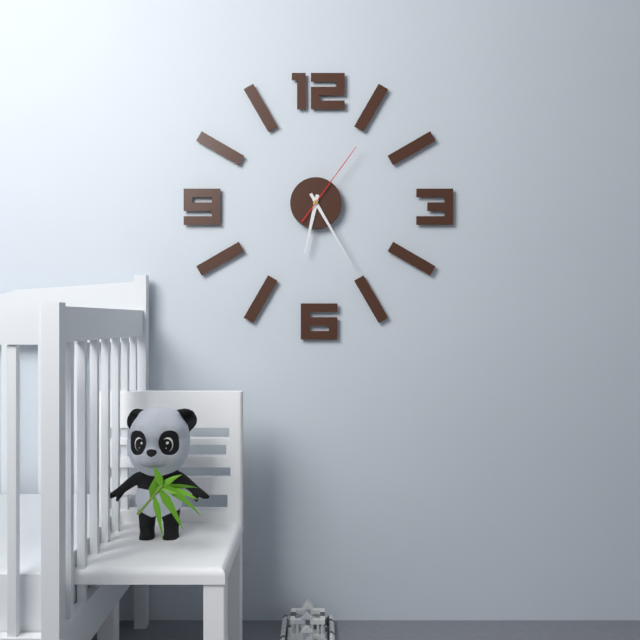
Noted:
6,25,06
